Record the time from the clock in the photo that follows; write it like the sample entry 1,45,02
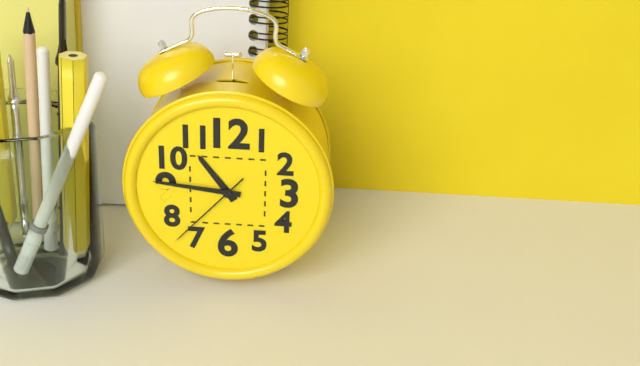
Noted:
10,46,37
